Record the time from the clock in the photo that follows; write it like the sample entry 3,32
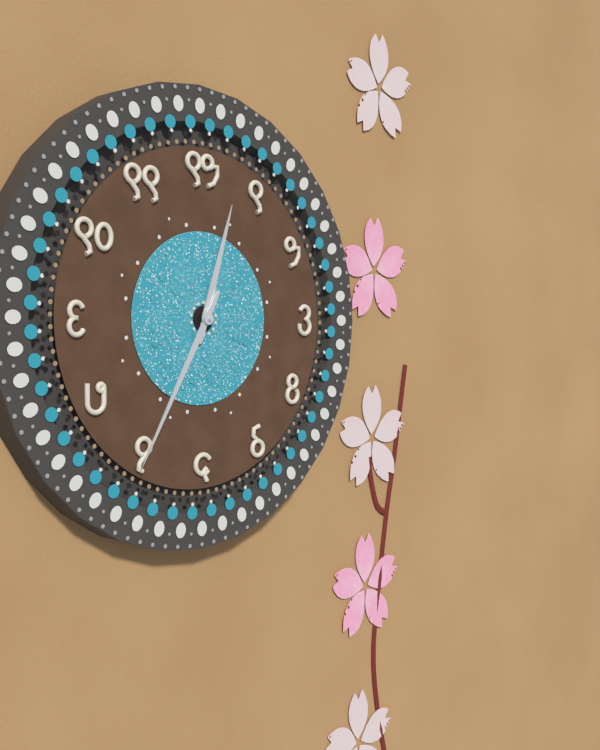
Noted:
12,35
